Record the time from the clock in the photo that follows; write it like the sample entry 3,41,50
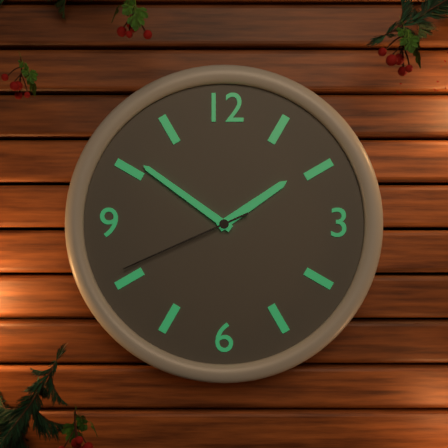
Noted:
1,51,41
